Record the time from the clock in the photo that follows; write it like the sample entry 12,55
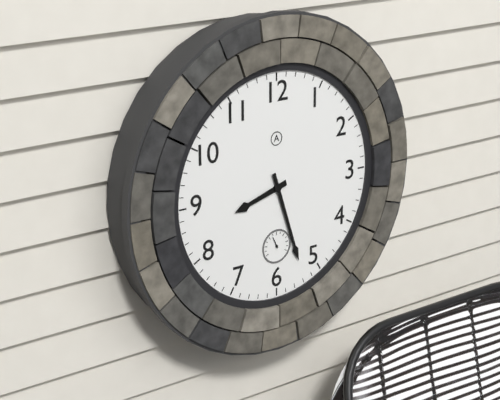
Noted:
8,27
